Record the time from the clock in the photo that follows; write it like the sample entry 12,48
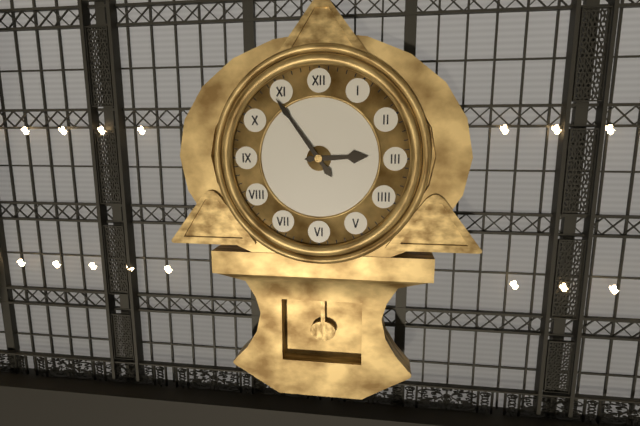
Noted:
2,54
